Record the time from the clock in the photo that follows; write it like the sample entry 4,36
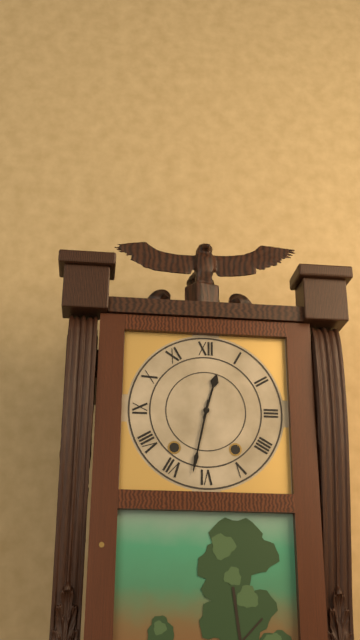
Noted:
12,32
